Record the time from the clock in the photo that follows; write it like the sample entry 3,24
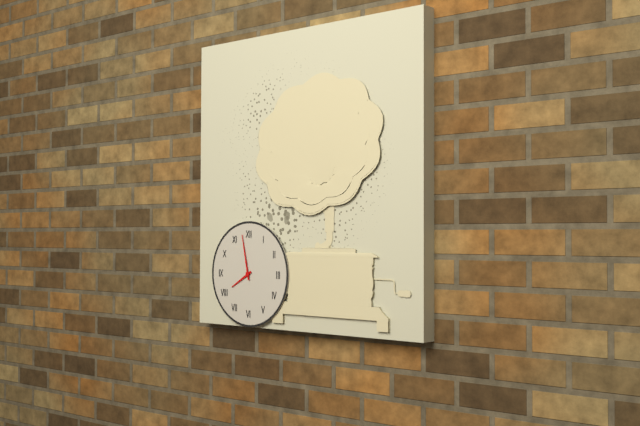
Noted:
7,58
